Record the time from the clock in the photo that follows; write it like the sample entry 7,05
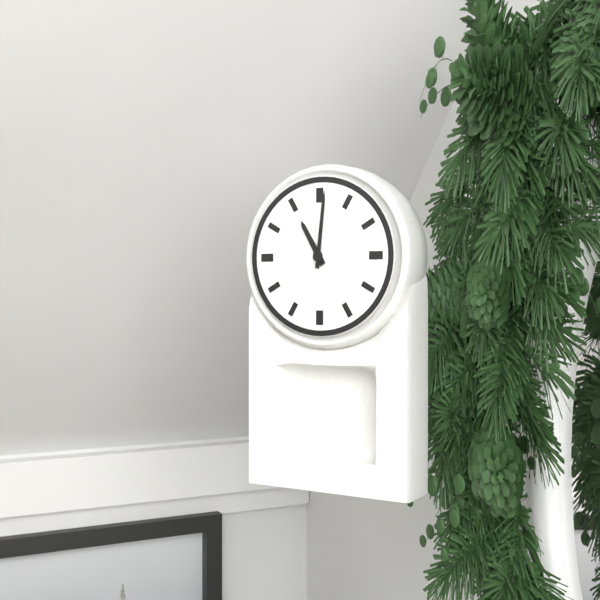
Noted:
11,01
